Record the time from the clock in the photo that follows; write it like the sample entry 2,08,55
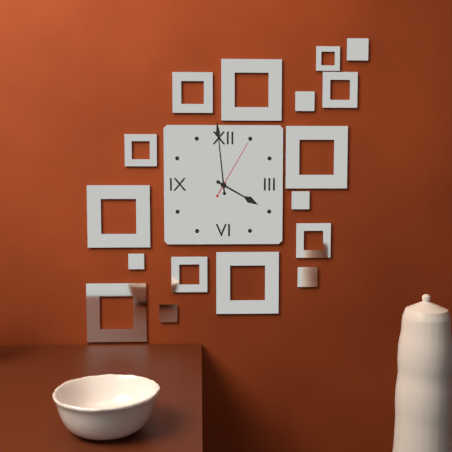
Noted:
3,59,05
